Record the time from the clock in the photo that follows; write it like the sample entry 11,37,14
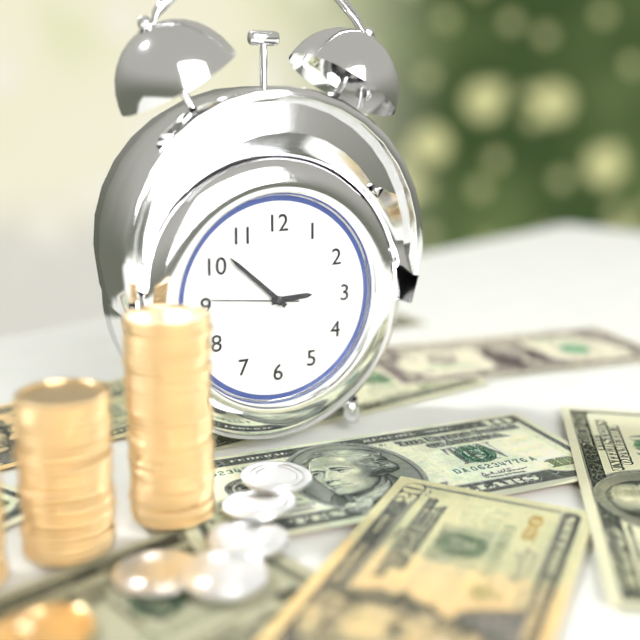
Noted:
2,52,46
